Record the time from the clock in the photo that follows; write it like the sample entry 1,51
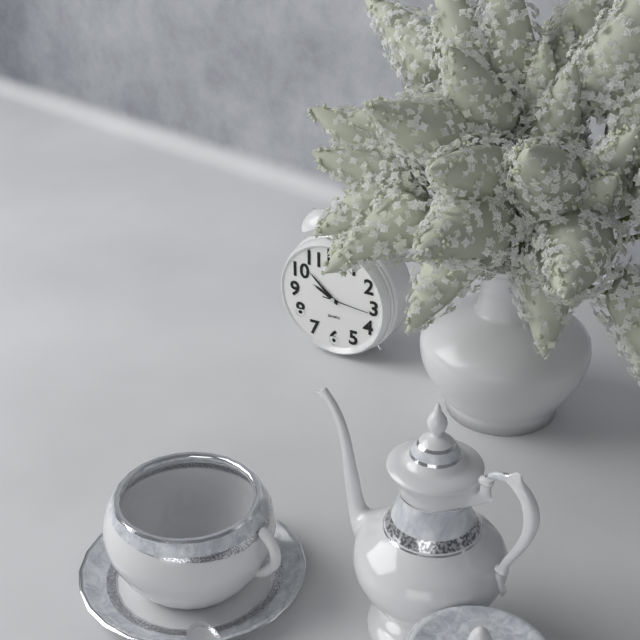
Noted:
9,52
